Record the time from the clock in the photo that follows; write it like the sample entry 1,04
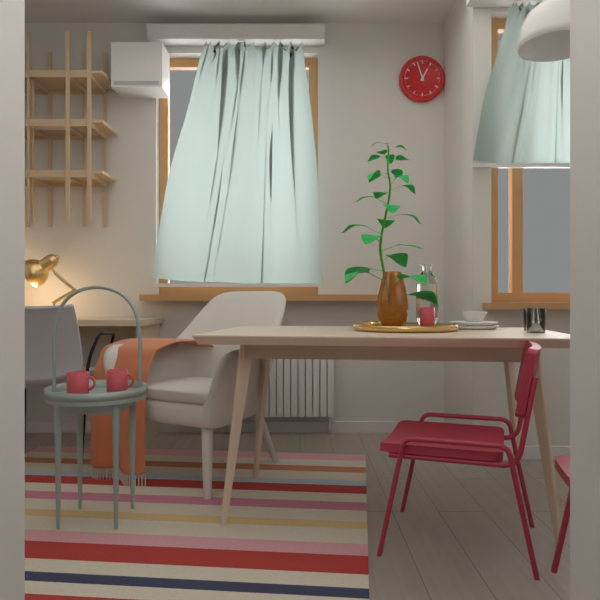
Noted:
12,57
